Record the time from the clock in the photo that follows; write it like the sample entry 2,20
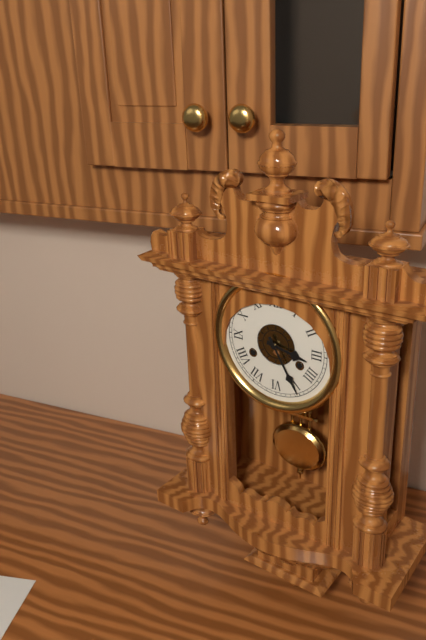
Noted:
3,25
